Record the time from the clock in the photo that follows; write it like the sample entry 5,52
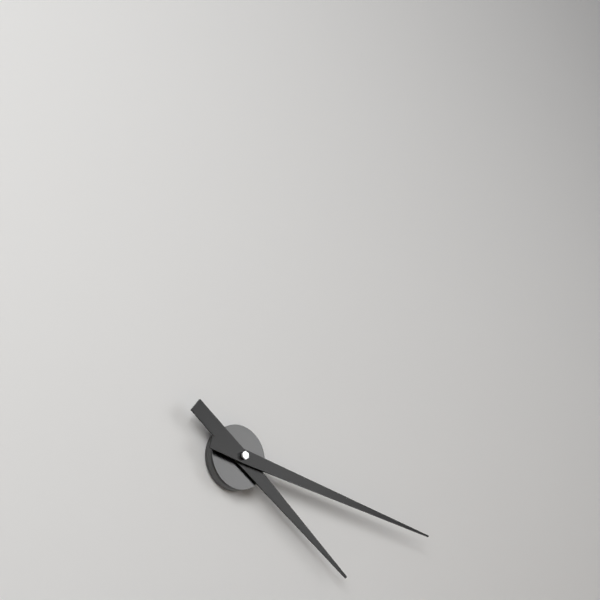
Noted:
4,17
